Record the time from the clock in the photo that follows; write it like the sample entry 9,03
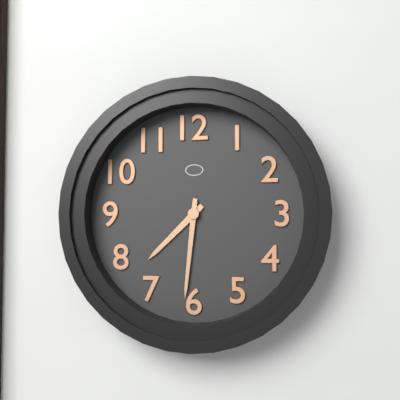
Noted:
7,31
